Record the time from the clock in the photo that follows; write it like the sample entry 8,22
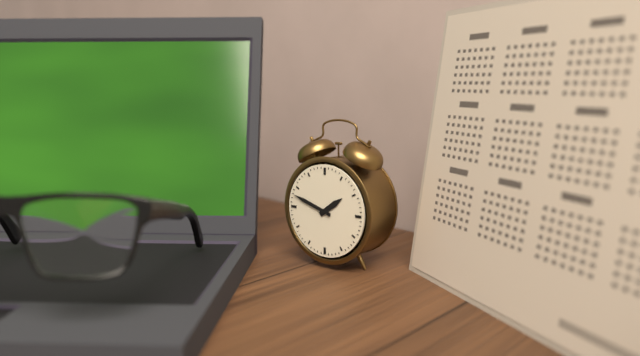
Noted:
1,48
